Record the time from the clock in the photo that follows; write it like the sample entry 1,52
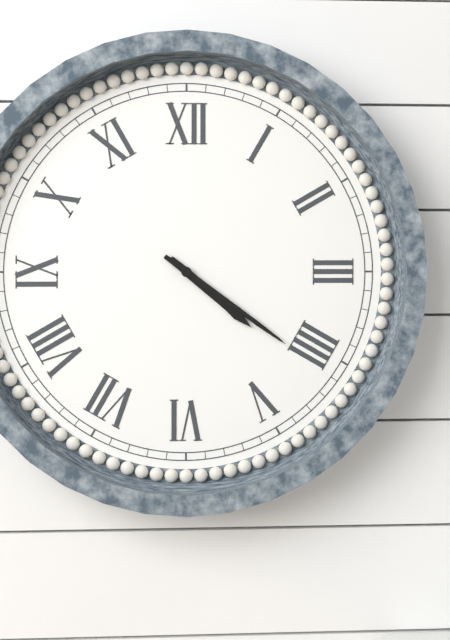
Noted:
4,21
